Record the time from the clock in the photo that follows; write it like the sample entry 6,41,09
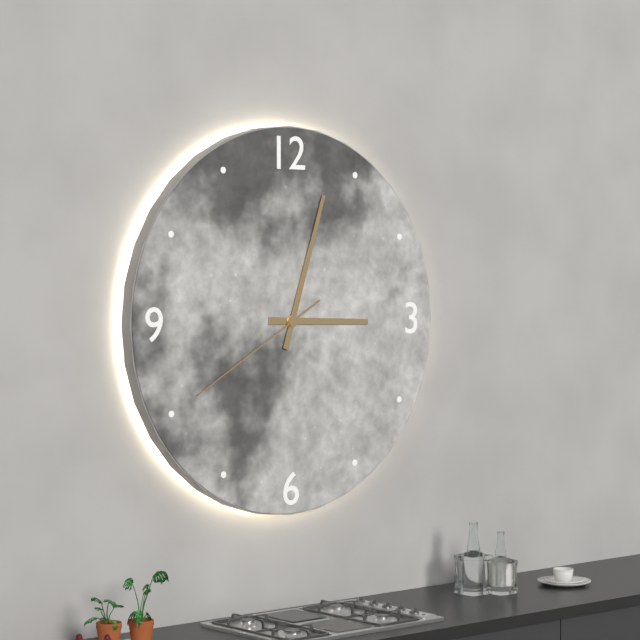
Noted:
3,03,40
